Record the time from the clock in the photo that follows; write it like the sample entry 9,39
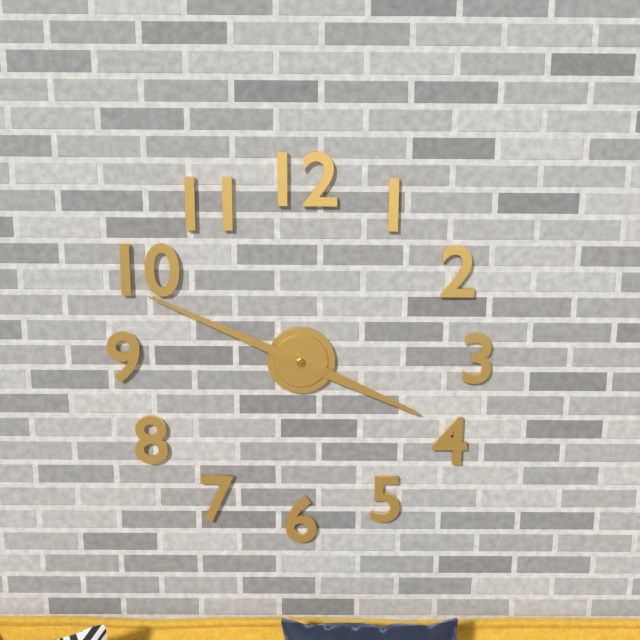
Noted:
3,49
